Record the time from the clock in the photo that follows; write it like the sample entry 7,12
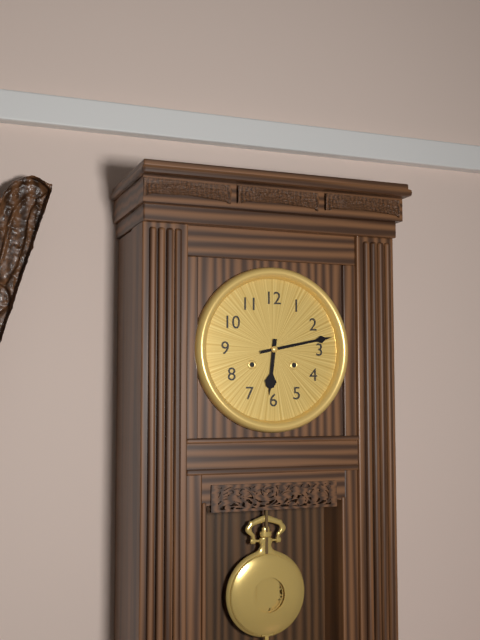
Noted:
6,13
